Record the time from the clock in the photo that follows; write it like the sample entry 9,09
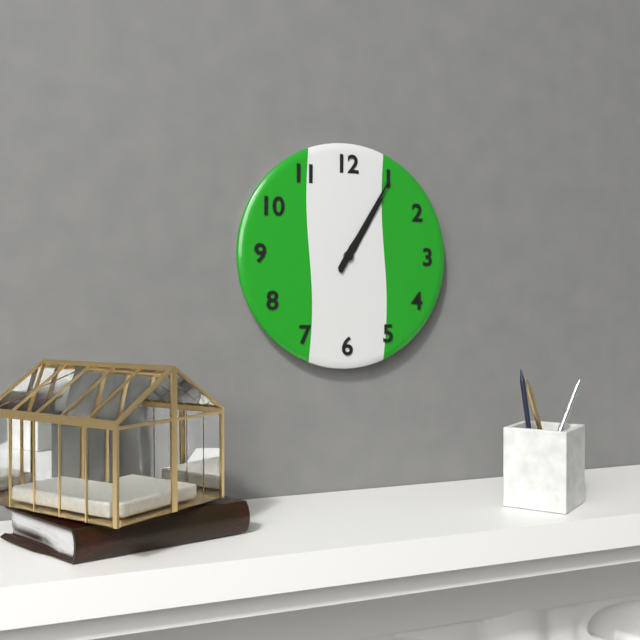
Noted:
1,05
